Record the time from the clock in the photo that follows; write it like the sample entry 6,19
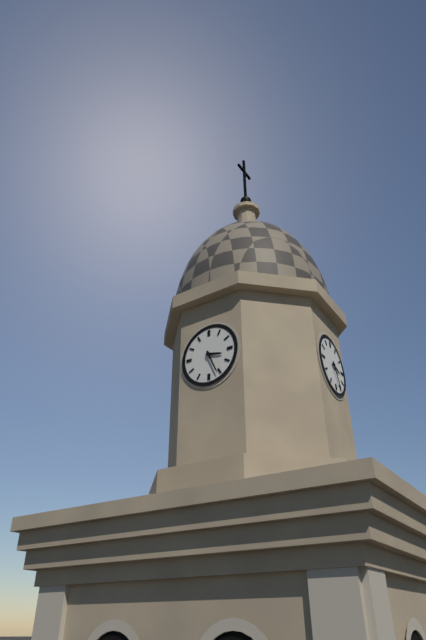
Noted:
3,26
